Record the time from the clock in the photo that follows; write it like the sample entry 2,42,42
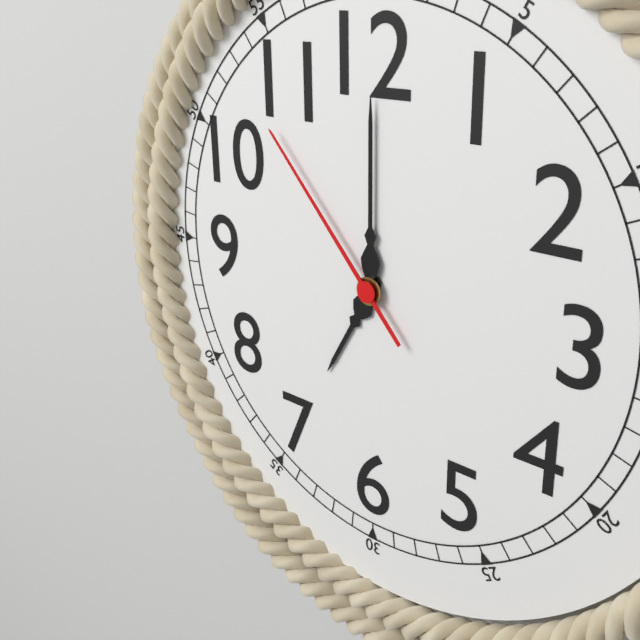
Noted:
7,00,53
